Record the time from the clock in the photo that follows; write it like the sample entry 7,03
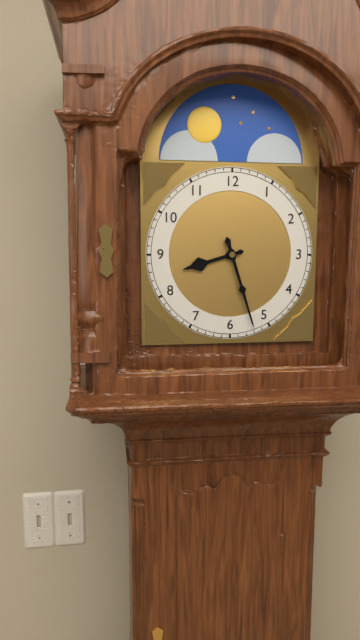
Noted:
8,27
